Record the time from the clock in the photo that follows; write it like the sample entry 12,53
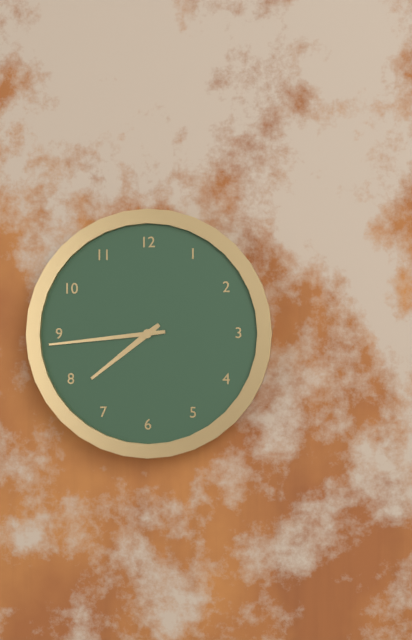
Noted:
7,44
